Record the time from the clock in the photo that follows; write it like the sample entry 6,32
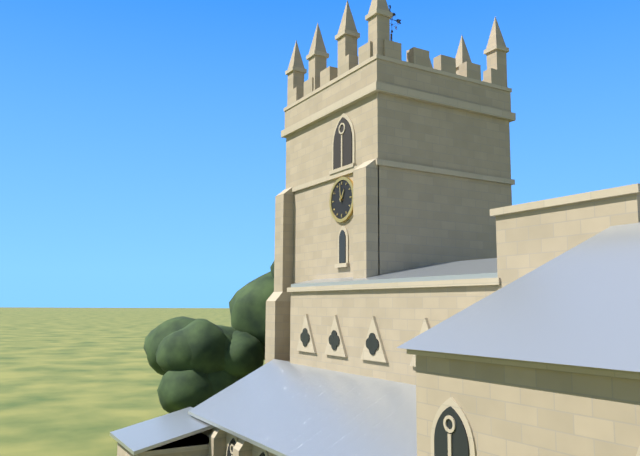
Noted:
12,59
